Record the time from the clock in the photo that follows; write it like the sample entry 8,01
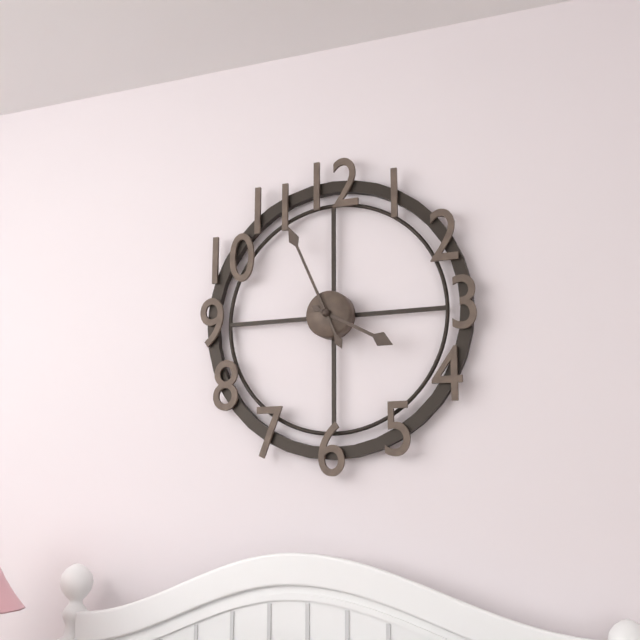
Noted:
3,56
